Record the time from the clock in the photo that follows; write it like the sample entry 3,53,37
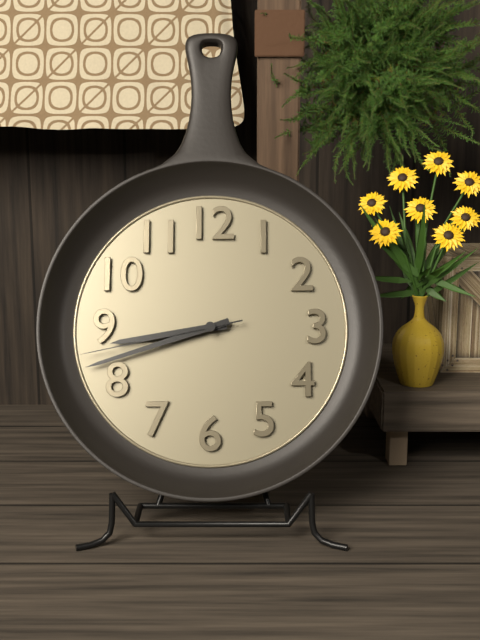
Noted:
8,42,43
